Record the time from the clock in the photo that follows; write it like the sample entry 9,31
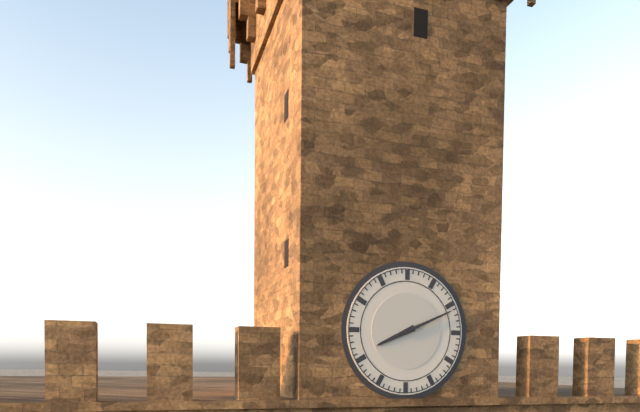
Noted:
8,11
